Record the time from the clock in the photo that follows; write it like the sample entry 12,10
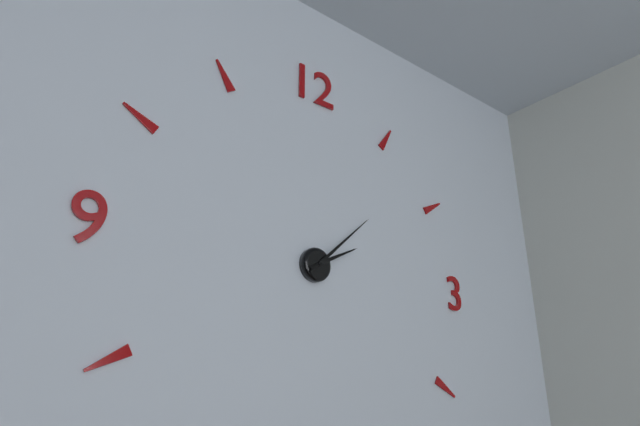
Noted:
2,08
